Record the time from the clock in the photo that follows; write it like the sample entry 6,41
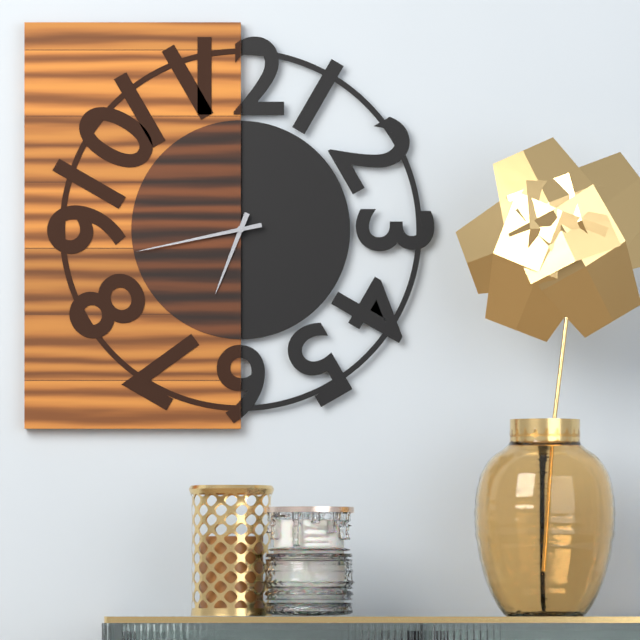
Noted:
6,43
